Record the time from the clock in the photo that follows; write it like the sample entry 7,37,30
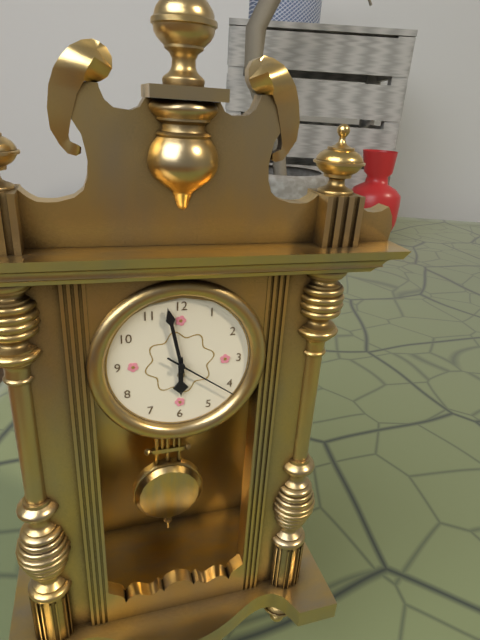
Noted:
5,58,21
